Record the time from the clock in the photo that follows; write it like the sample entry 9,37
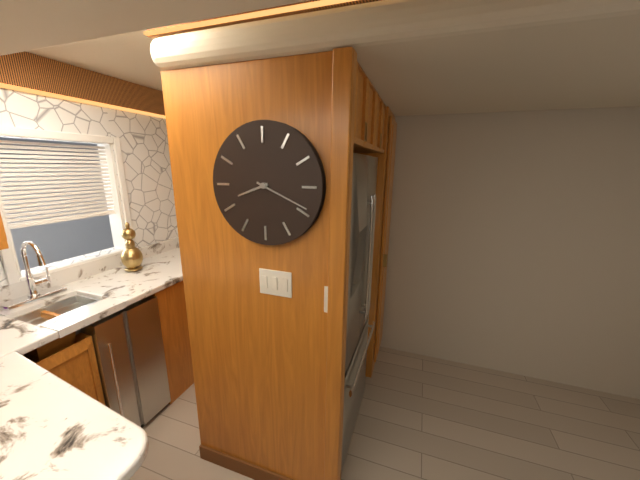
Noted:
8,19
